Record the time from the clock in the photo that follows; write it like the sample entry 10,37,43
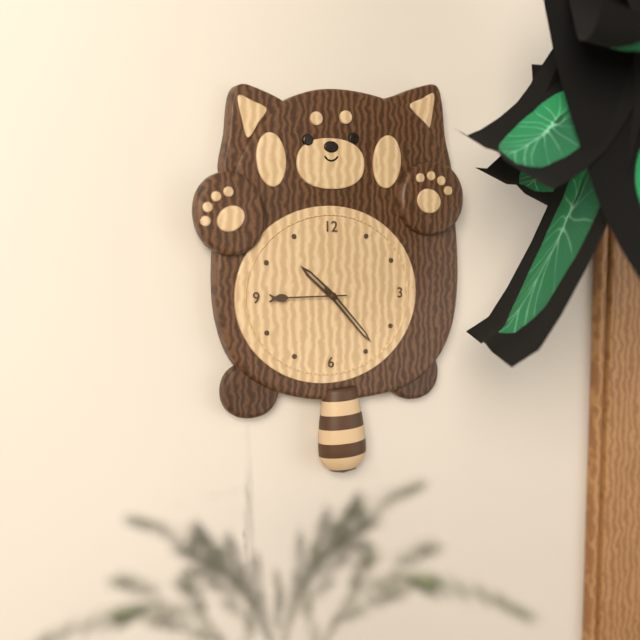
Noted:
10,23,45
